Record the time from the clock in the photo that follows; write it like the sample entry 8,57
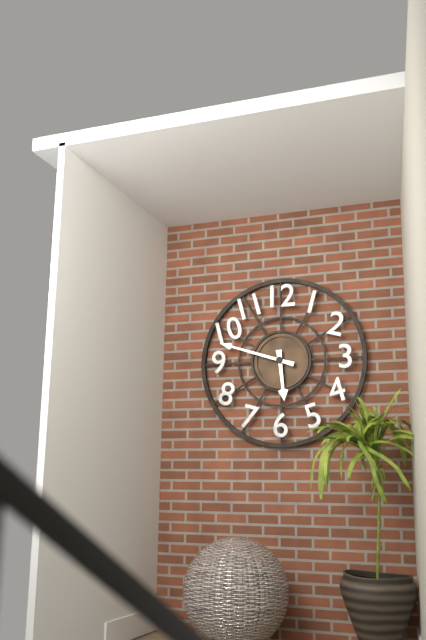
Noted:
5,48
